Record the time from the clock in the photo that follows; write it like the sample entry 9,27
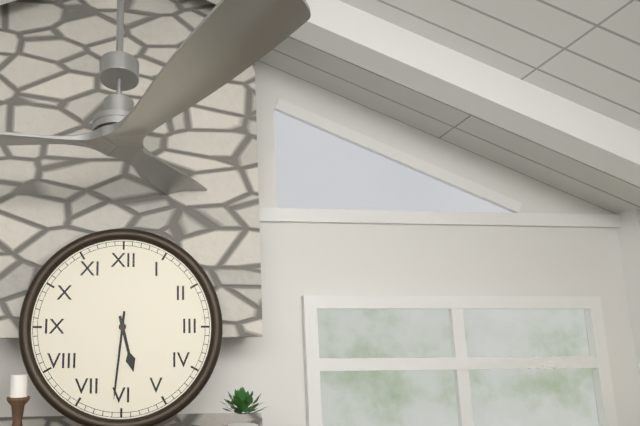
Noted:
5,31
